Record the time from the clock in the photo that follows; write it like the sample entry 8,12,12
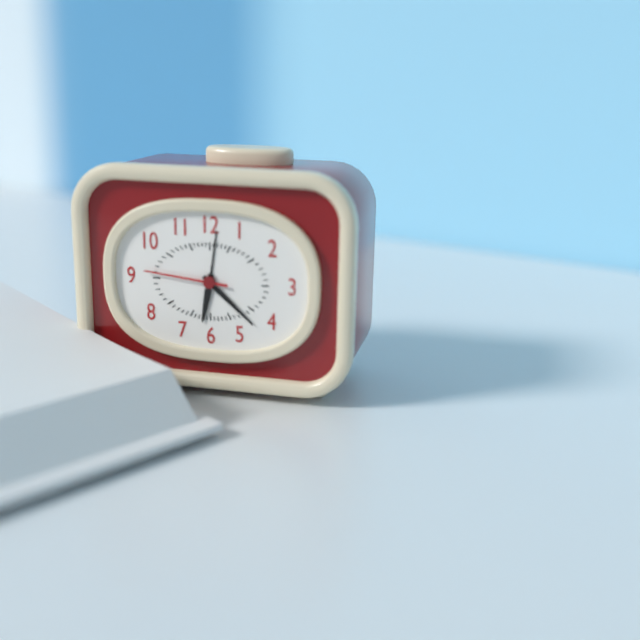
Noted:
6,22,46
